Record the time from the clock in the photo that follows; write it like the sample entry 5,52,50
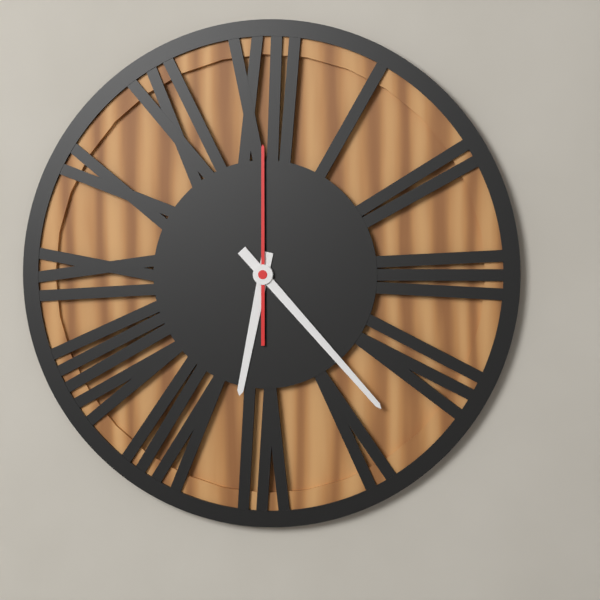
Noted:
6,23,00
